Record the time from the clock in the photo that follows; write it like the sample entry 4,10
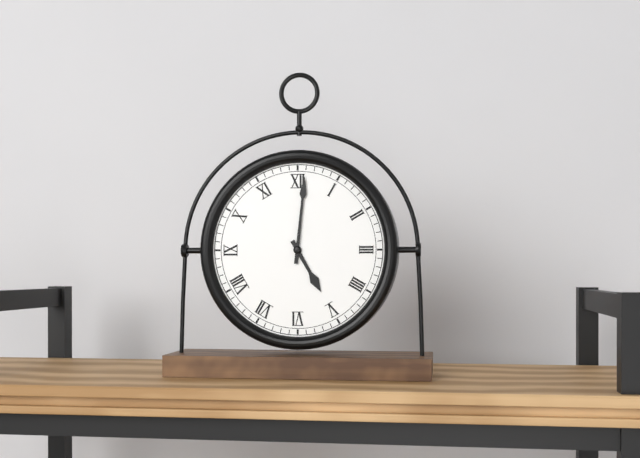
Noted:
5,01
